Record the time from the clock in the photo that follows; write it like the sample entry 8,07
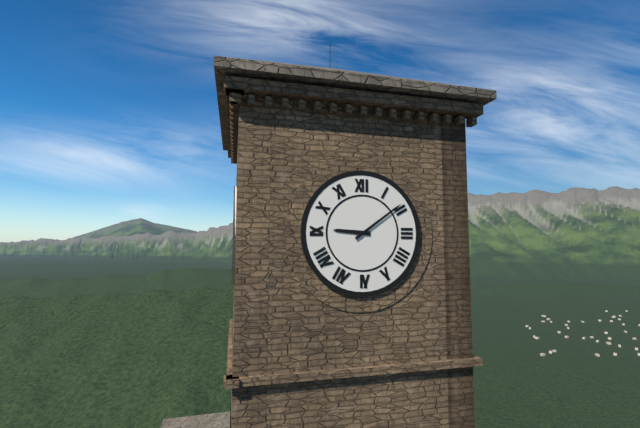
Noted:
9,09
